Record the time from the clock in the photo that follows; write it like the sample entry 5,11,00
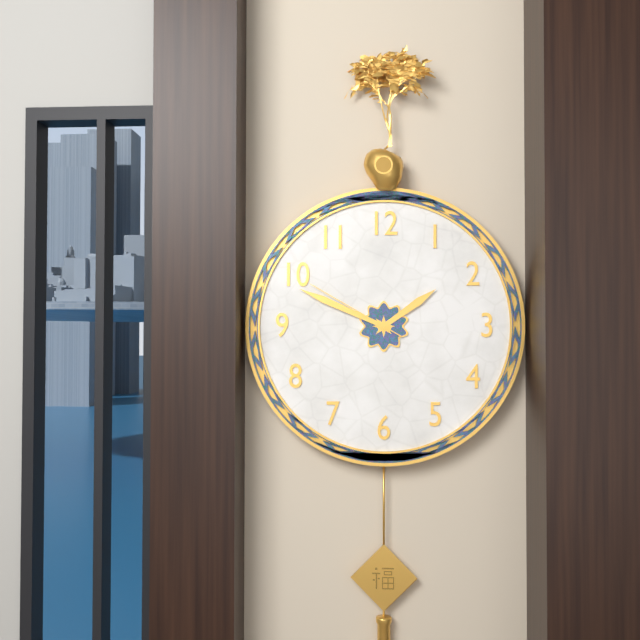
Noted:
1,49,50
